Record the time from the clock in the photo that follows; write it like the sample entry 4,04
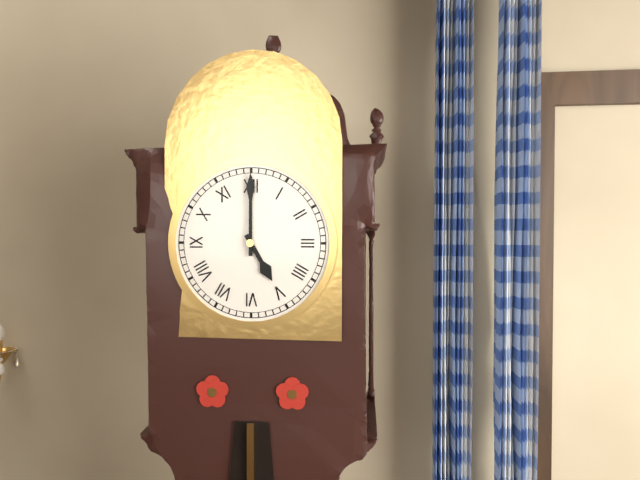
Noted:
5,00
